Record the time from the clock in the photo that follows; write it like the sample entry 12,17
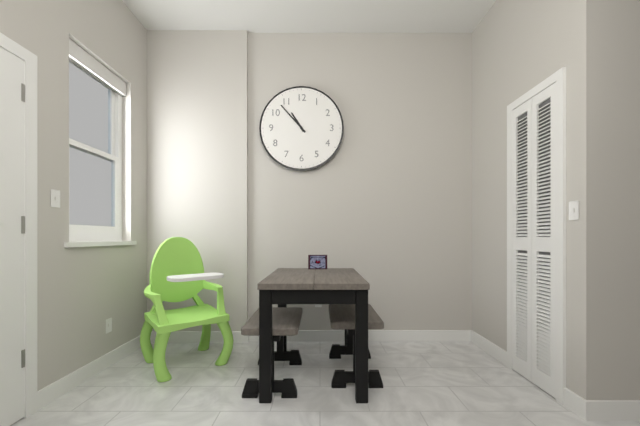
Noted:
10,53
